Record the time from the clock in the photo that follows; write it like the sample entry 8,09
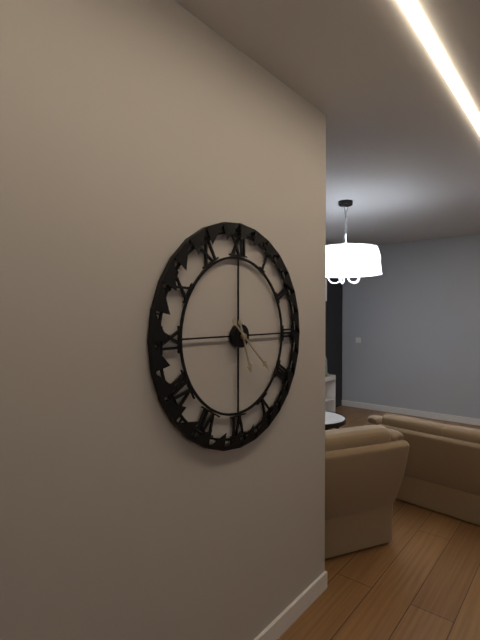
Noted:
5,22
